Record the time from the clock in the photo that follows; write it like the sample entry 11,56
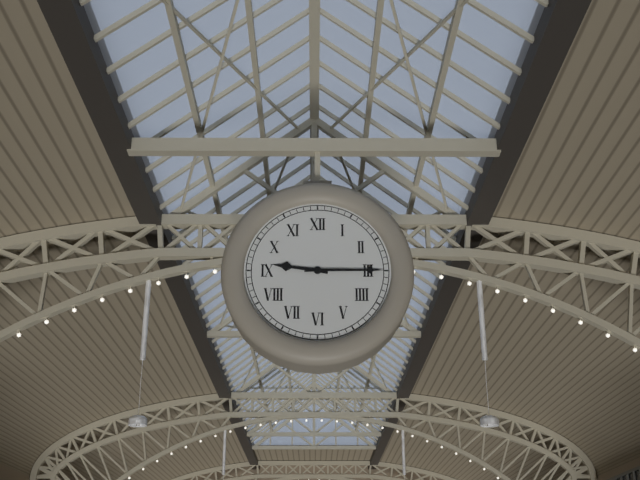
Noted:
9,15
